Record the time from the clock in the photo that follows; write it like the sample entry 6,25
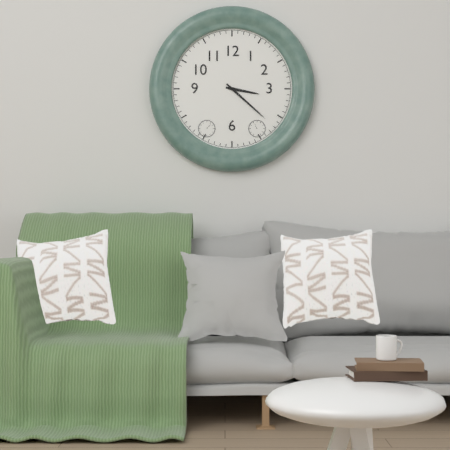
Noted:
3,22
